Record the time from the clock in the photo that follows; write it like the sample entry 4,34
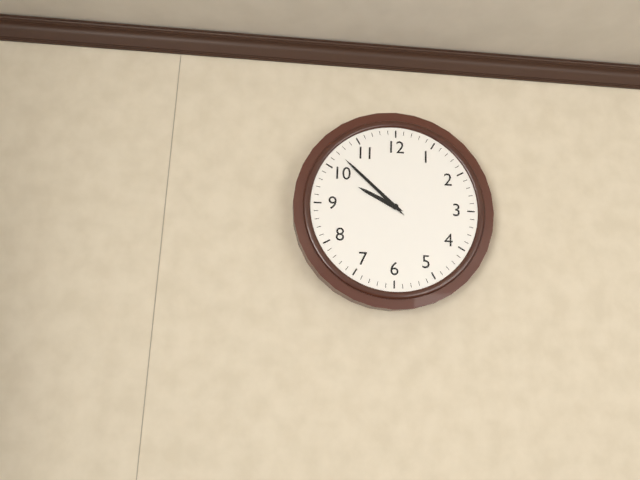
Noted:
9,52
